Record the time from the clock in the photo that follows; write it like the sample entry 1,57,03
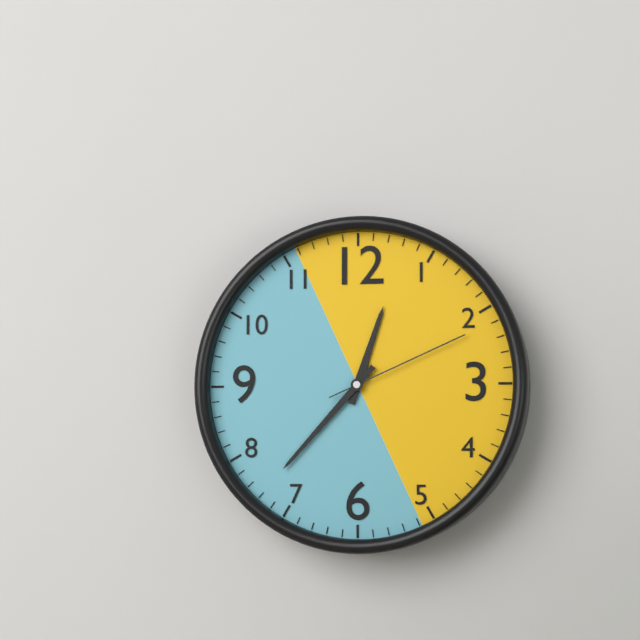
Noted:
12,37,11
